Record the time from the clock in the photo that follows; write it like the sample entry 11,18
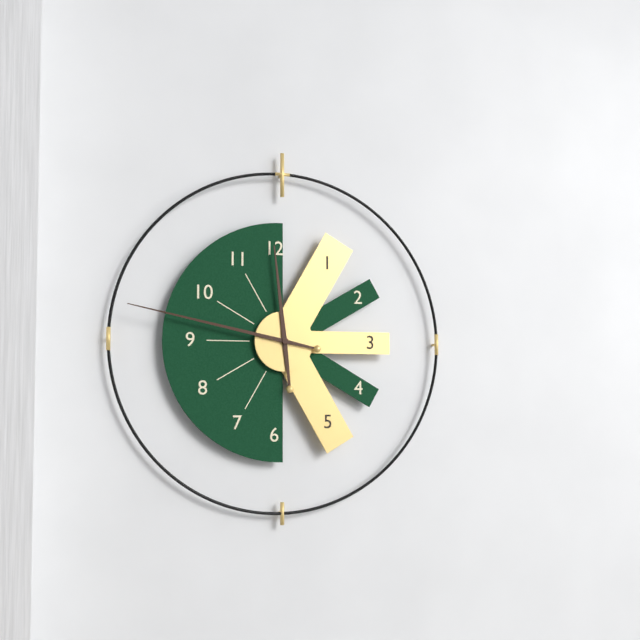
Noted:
11,47
